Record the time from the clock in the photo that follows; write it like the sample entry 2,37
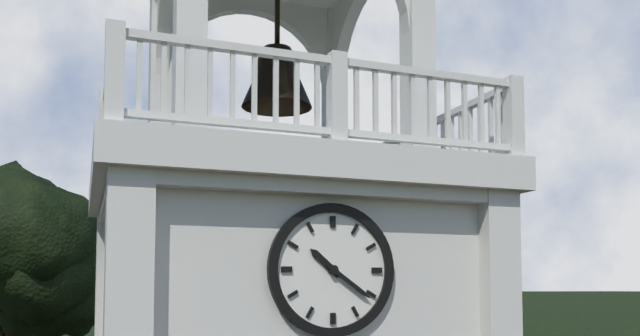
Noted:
10,21
